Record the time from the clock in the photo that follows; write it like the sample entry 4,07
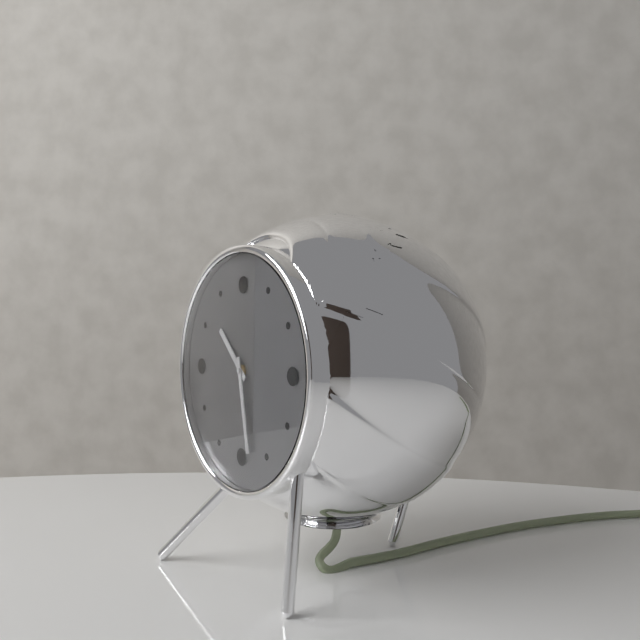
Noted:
10,28
